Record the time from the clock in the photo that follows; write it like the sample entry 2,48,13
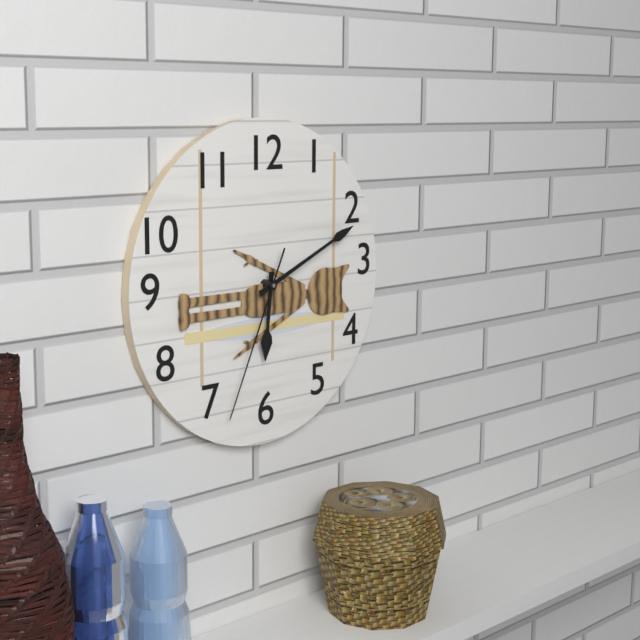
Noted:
6,11,34
